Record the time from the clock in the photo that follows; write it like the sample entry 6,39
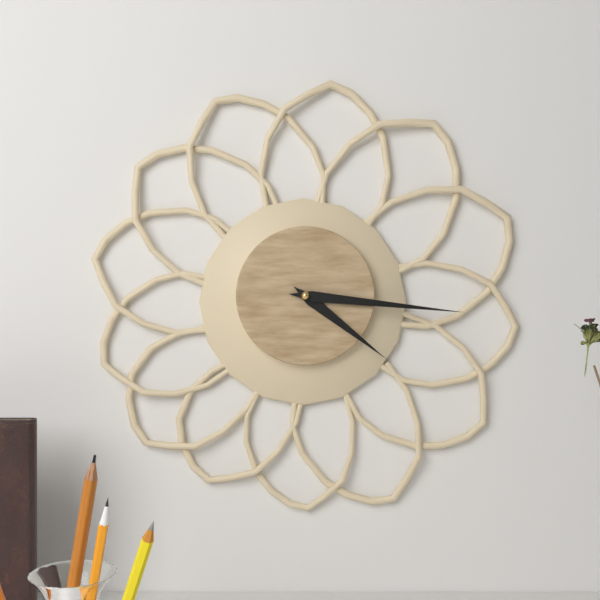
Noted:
4,16
